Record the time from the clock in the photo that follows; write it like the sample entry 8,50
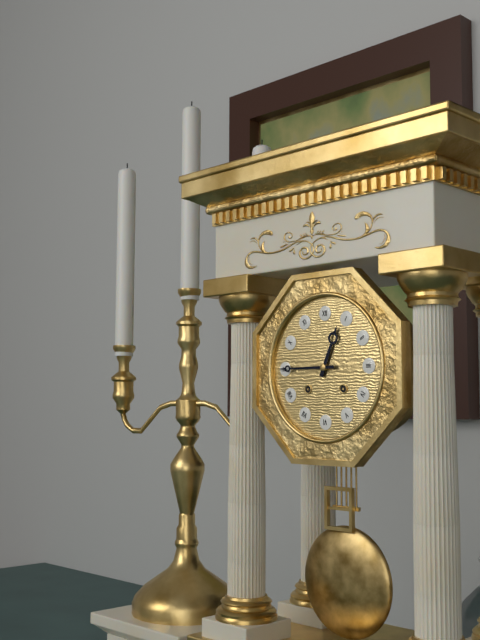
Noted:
12,45
